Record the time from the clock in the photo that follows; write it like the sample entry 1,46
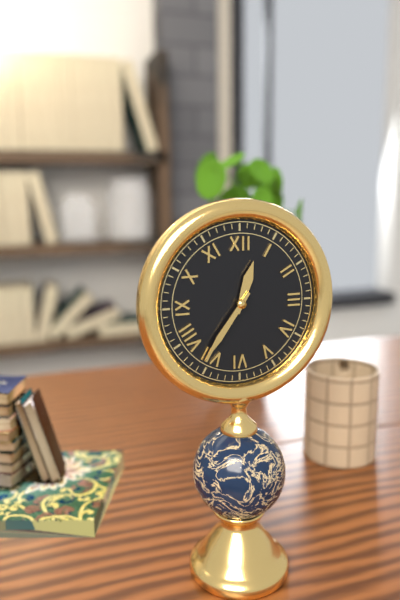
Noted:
12,36
